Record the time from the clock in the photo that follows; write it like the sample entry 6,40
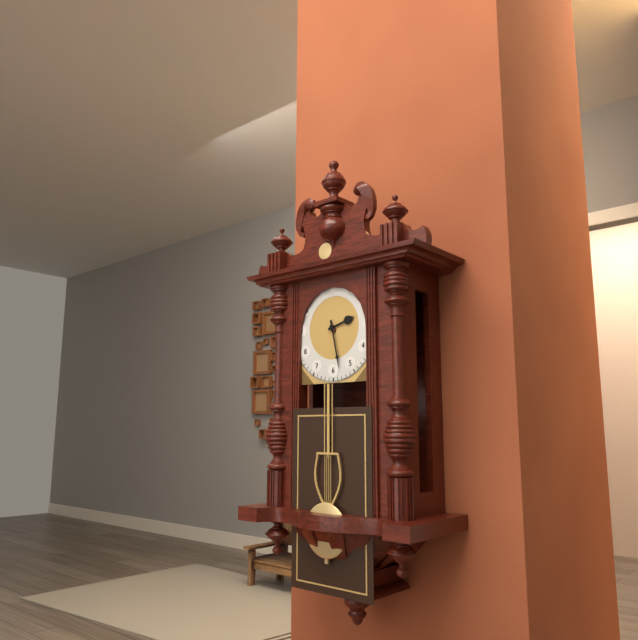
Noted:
2,28
